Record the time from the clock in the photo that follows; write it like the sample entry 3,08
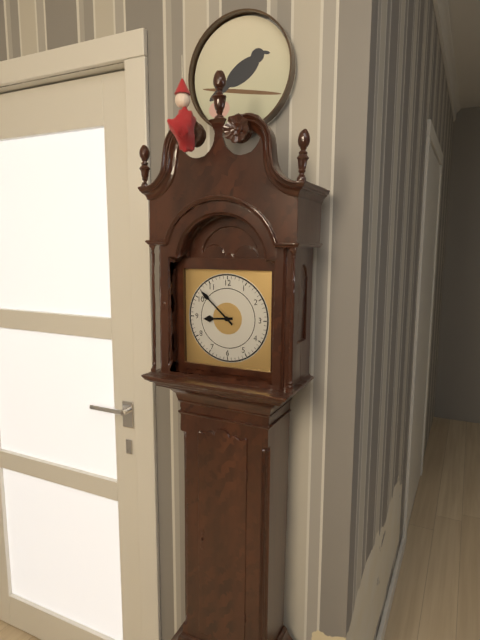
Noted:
8,52
